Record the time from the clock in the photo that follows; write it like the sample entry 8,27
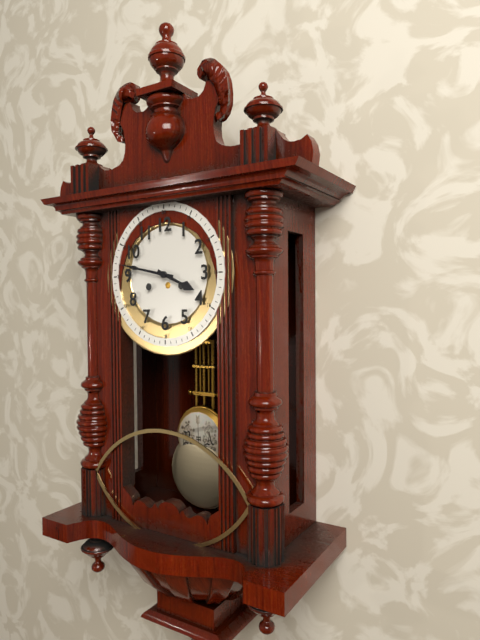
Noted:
3,47
